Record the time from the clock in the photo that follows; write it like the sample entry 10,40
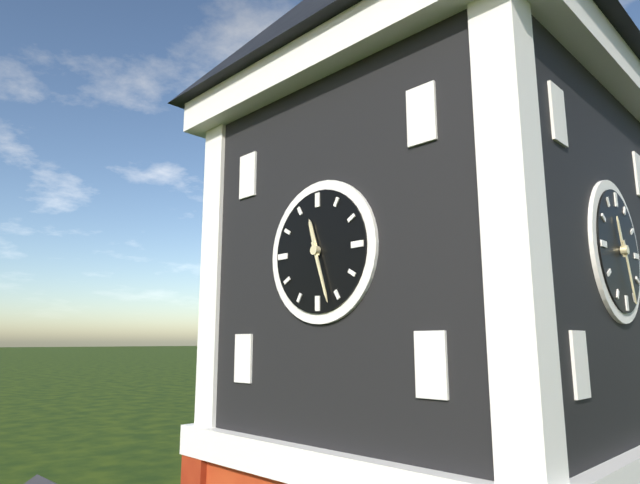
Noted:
11,27
